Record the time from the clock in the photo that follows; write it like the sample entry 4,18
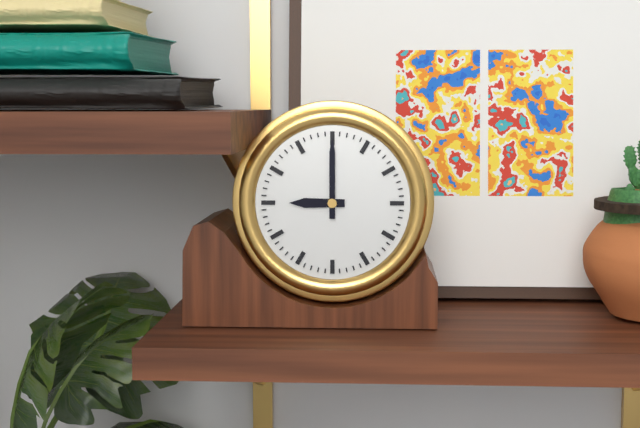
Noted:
9,00
